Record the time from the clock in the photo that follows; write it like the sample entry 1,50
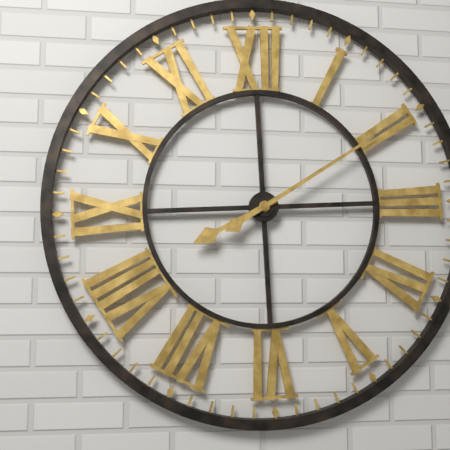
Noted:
8,10
